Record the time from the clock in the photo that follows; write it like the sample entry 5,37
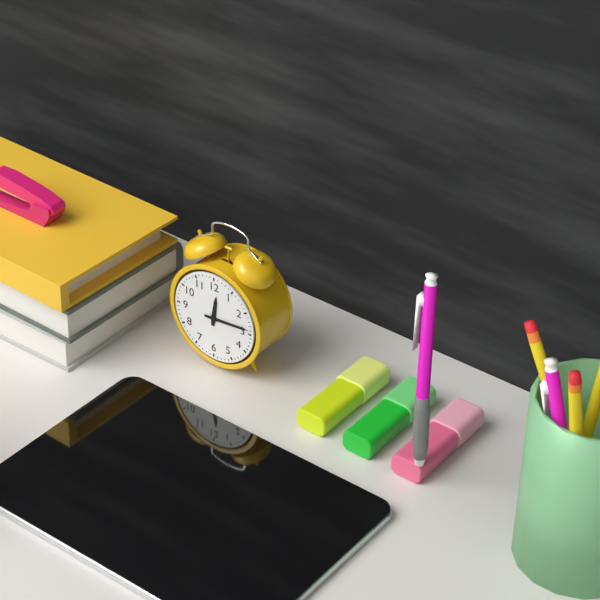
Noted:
12,14
